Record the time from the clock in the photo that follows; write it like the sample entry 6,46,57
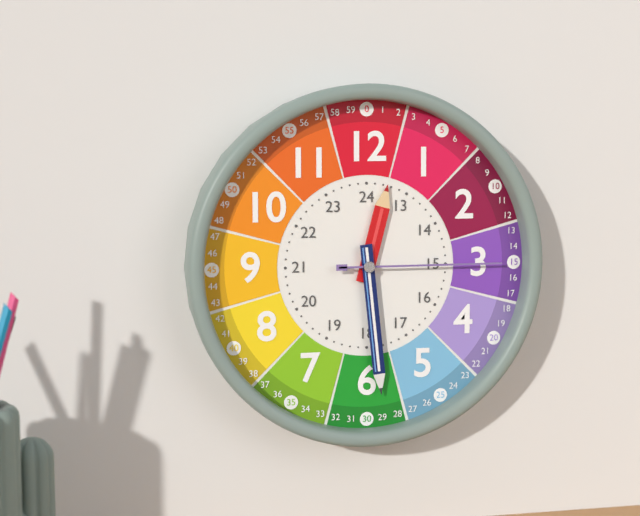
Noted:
12,29,15
